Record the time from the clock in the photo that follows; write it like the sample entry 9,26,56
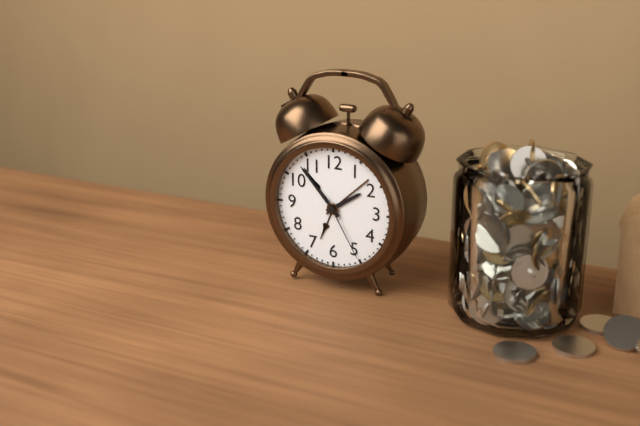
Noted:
1,53,25
